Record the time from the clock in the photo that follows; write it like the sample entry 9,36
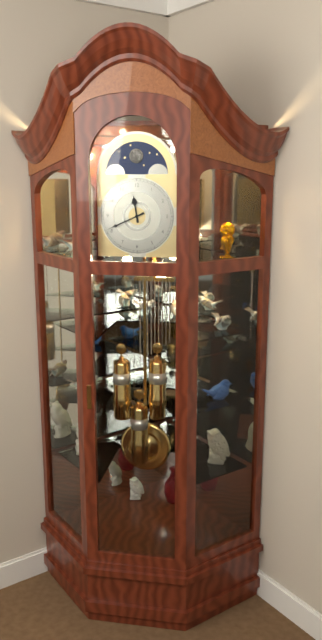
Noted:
11,41
